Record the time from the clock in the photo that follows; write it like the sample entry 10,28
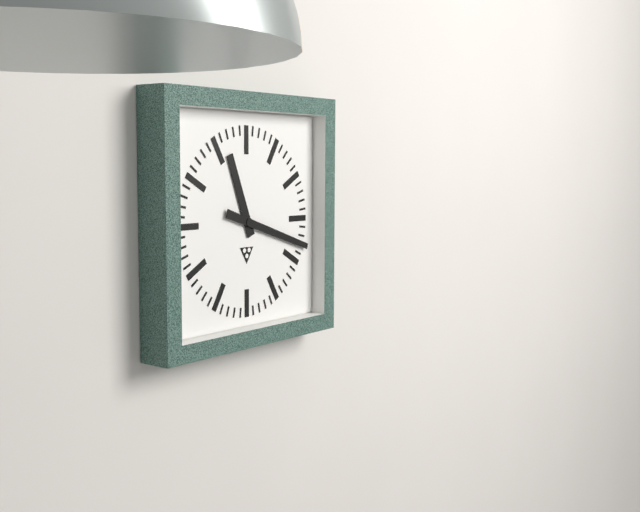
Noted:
11,18
